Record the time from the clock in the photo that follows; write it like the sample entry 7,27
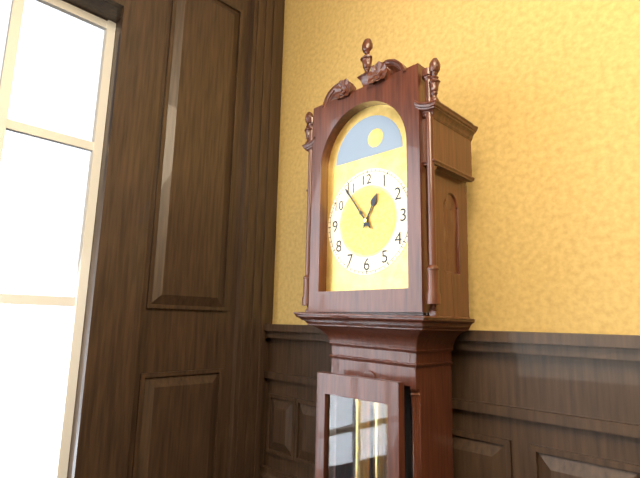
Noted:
12,54
